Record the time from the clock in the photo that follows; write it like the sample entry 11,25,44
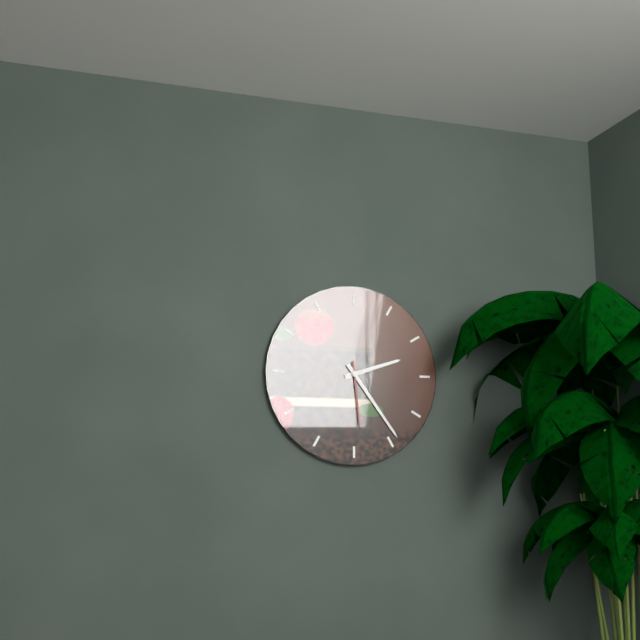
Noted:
2,24,29
